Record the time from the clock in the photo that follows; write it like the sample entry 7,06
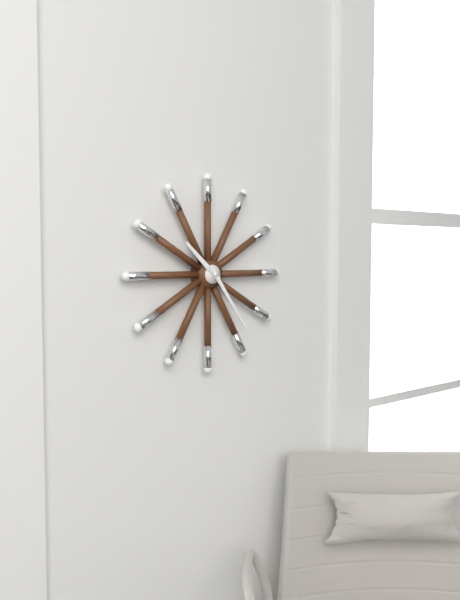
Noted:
10,24
